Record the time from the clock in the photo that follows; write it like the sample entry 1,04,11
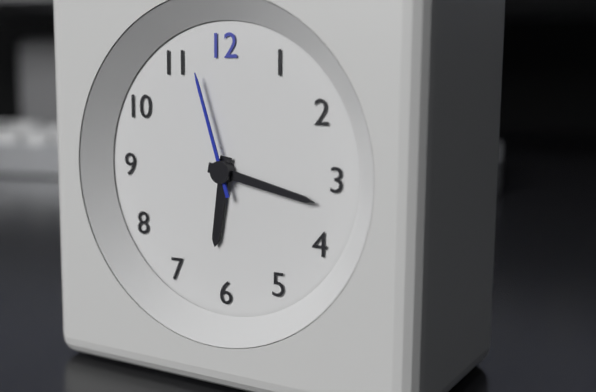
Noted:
6,17,57
